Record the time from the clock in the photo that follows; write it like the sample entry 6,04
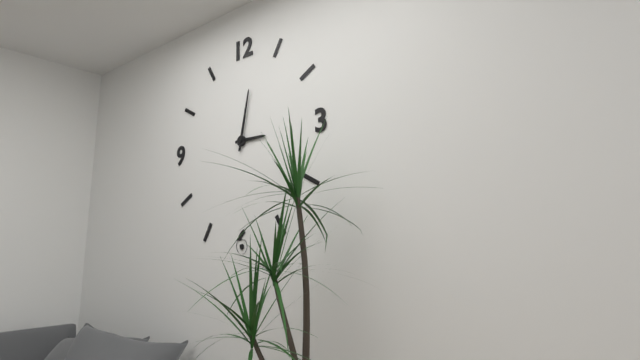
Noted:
3,02
